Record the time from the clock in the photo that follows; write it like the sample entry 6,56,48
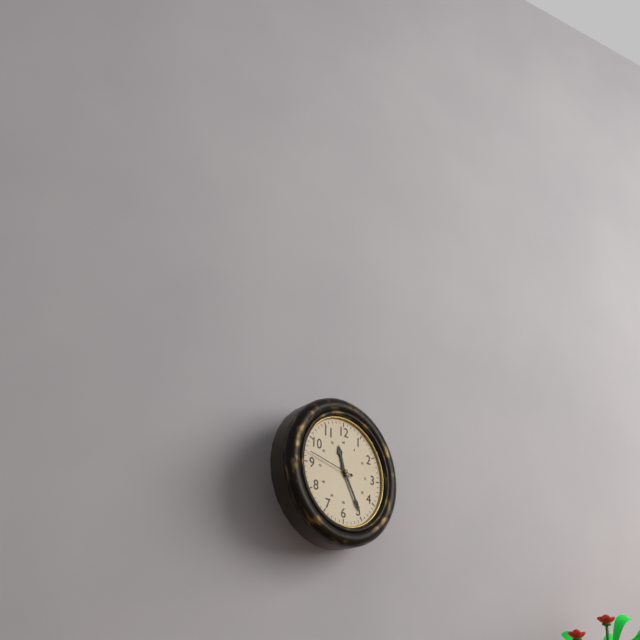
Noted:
11,25,47
